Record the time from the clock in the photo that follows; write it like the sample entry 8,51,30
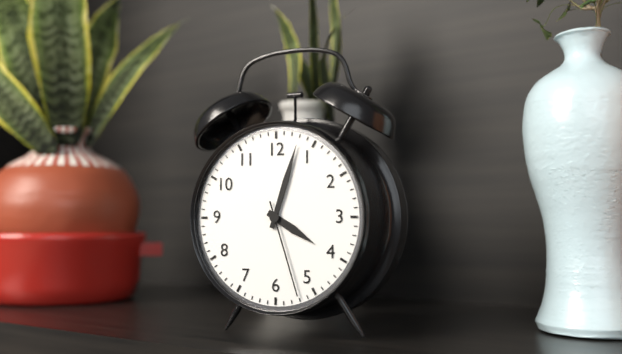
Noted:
4,03,27
